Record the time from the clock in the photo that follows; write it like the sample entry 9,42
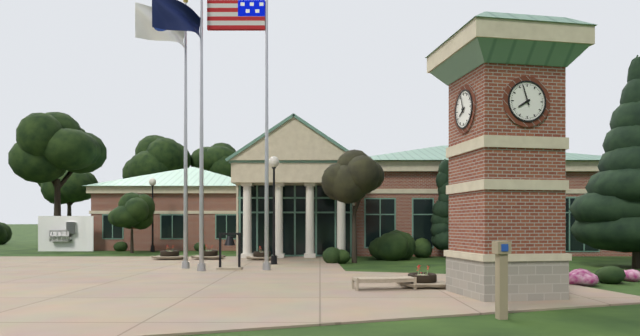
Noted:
7,57
